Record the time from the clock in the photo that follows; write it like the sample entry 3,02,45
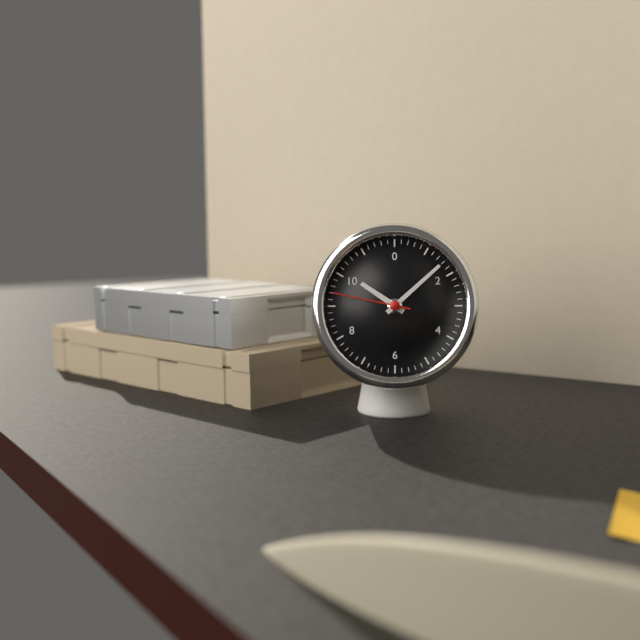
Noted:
10,08,47
